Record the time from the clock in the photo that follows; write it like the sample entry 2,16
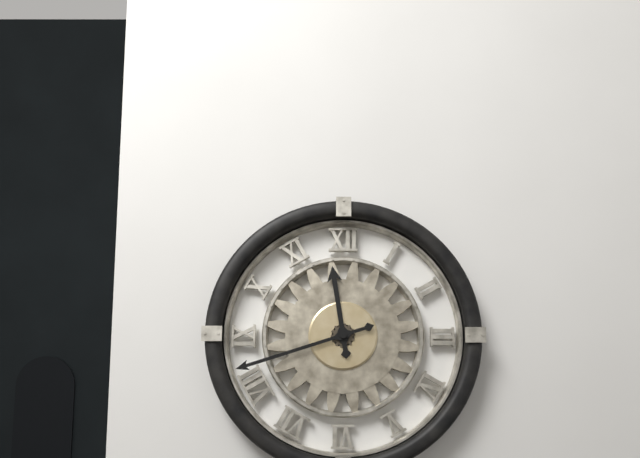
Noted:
11,42
